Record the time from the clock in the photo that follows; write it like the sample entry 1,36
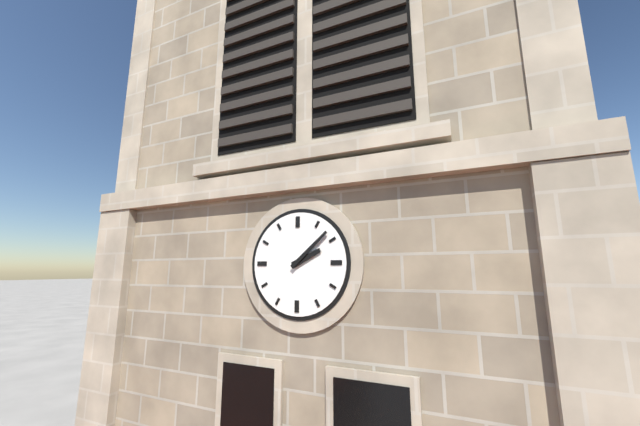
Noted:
2,08
